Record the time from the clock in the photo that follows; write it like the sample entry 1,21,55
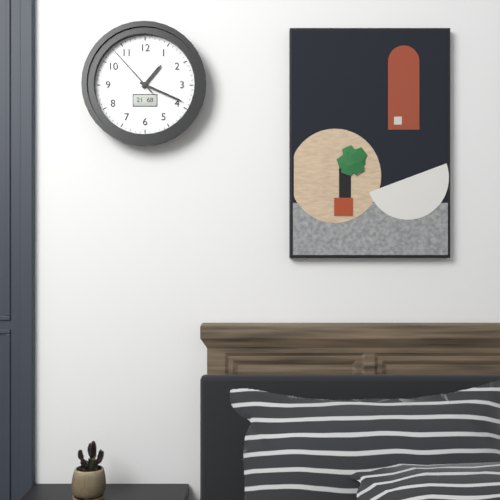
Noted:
1,19,53
